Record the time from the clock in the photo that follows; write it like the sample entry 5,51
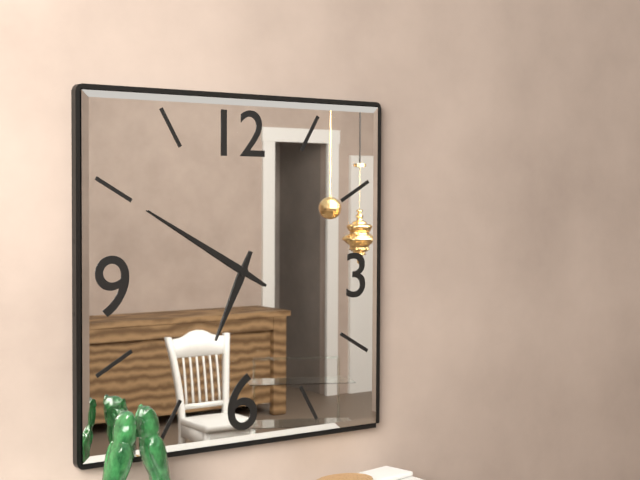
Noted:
6,50
